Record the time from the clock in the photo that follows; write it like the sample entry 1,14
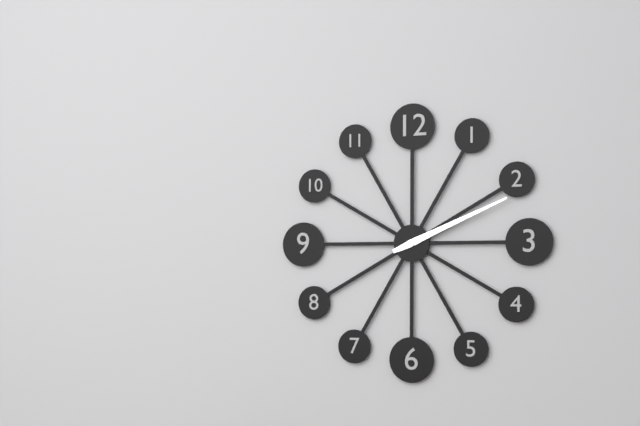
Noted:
2,11
